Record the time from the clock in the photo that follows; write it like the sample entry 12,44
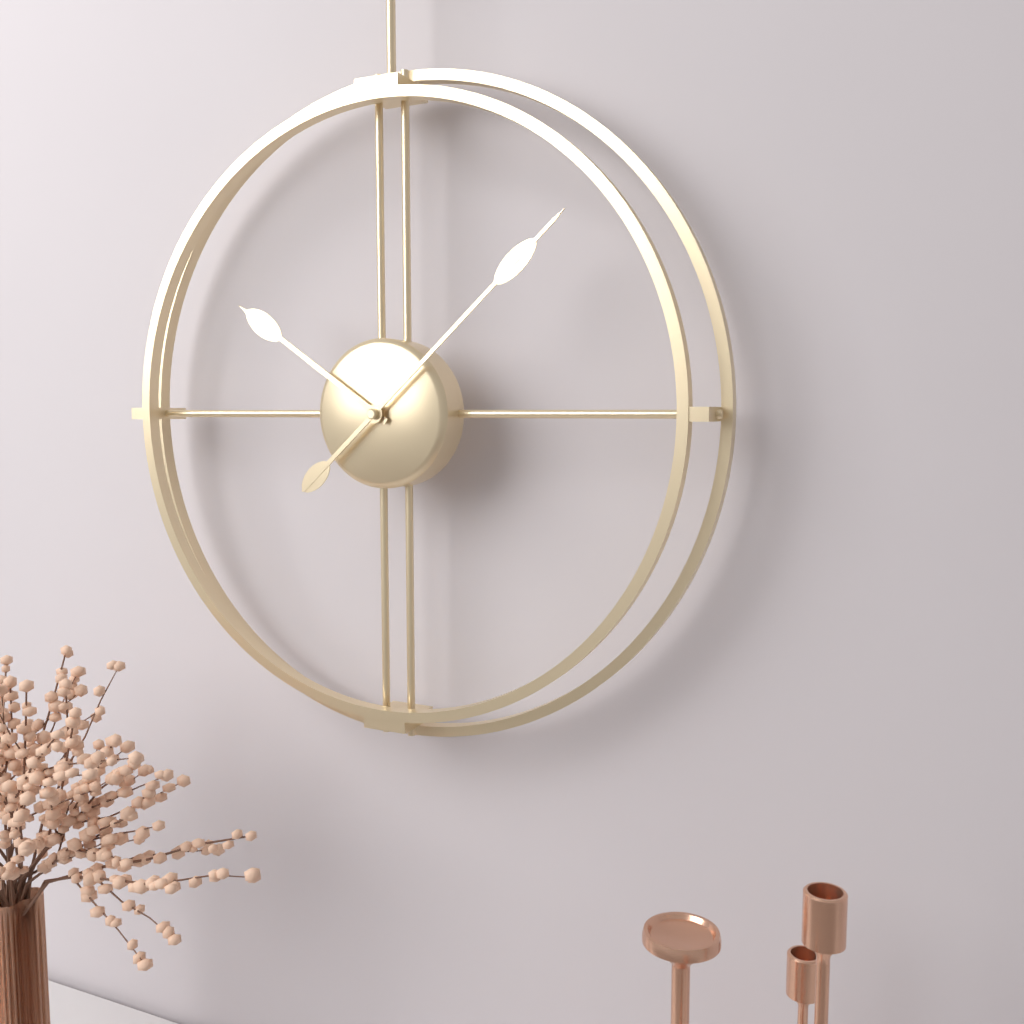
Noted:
10,08
